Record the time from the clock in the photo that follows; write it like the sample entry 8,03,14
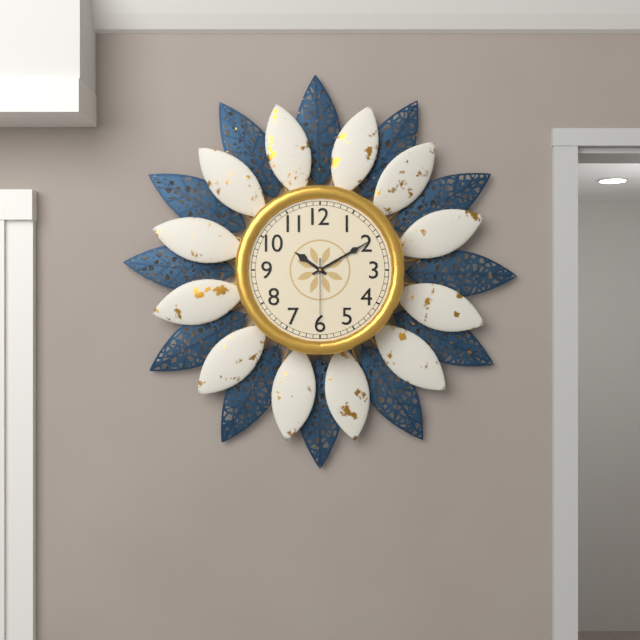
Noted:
10,10,30
